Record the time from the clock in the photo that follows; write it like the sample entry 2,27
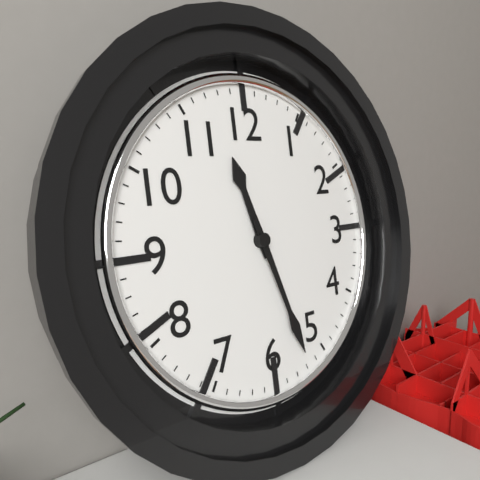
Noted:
11,27
